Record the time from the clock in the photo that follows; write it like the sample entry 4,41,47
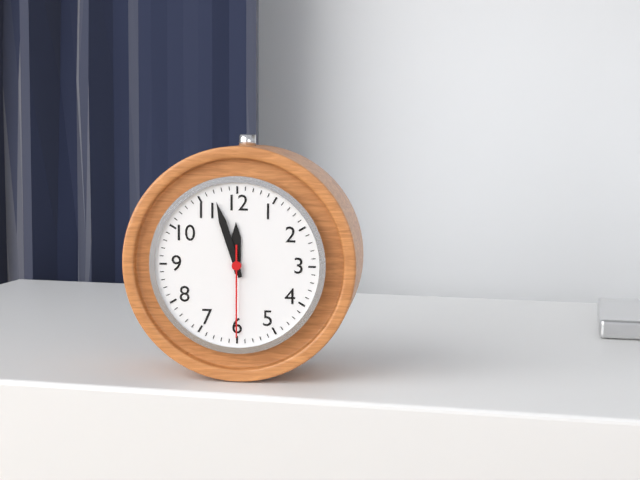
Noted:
11,57,30
